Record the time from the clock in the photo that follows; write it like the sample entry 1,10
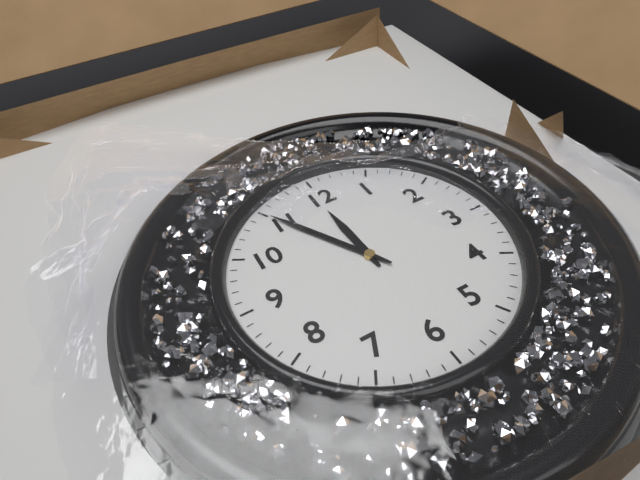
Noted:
11,55
